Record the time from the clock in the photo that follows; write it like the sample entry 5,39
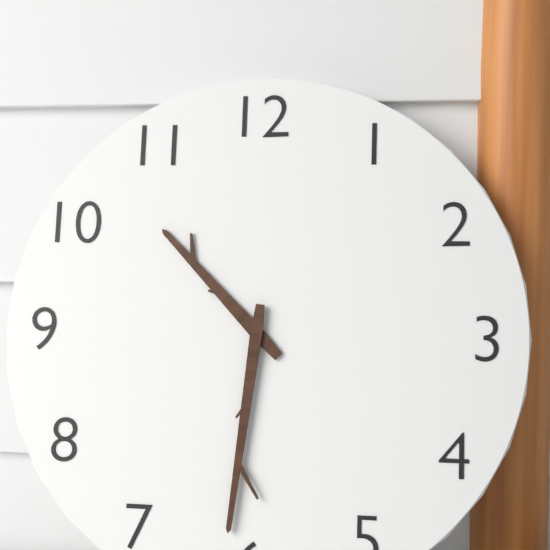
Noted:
10,31
